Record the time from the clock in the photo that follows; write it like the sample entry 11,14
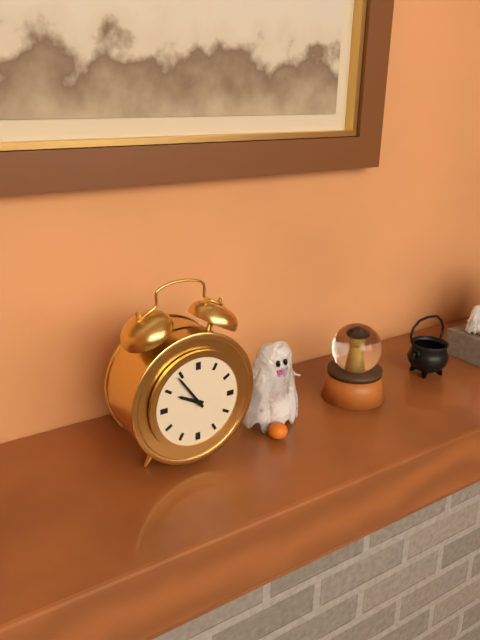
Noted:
9,54
